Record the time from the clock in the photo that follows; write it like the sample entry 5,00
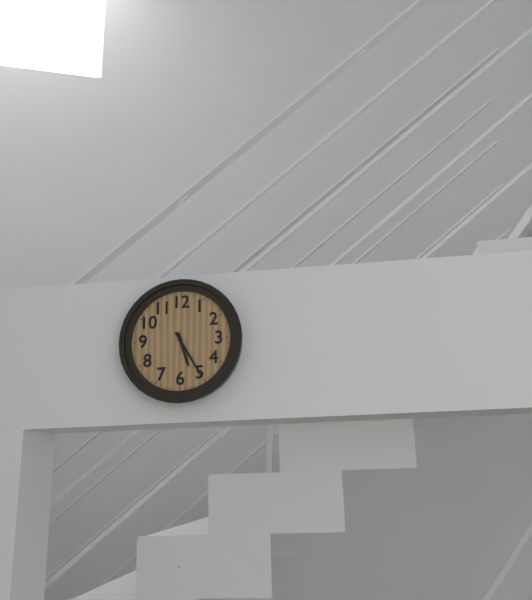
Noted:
5,25
